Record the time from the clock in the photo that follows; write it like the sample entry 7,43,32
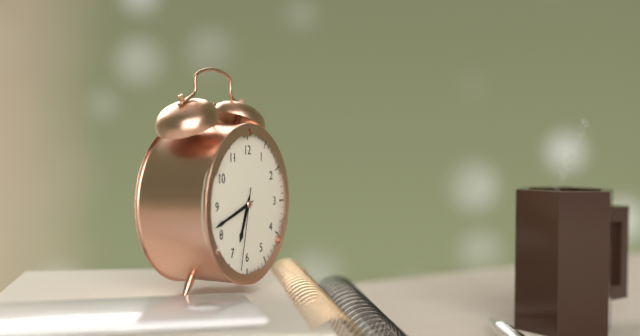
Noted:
6,42,32
